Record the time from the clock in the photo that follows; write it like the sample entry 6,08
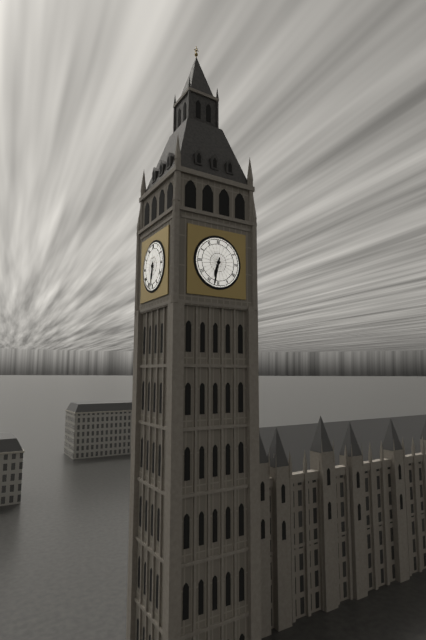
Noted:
6,32
